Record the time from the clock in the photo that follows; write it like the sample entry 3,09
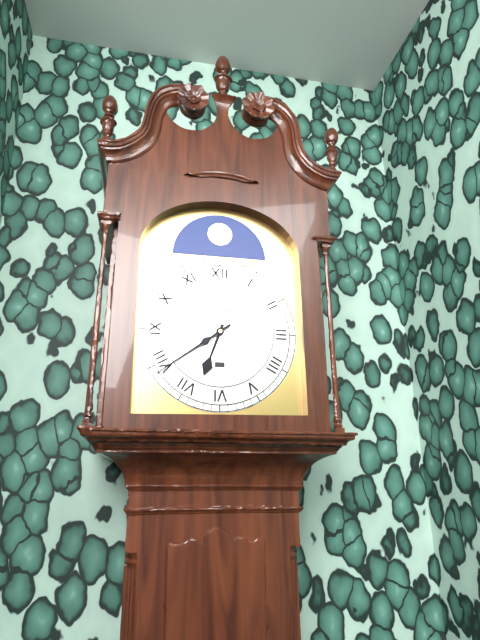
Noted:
6,39
